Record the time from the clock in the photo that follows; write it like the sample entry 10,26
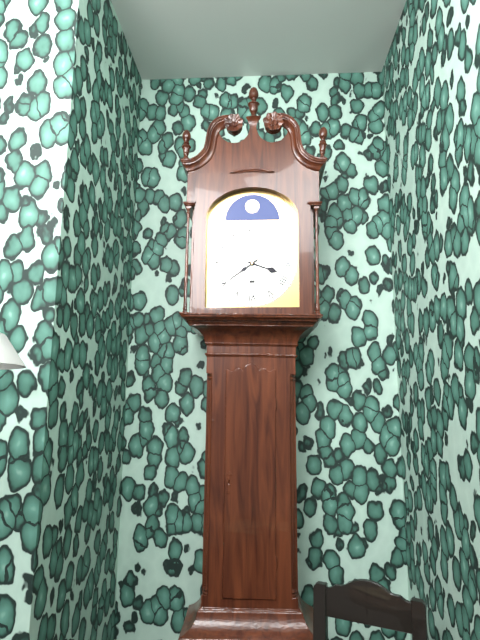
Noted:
3,39
